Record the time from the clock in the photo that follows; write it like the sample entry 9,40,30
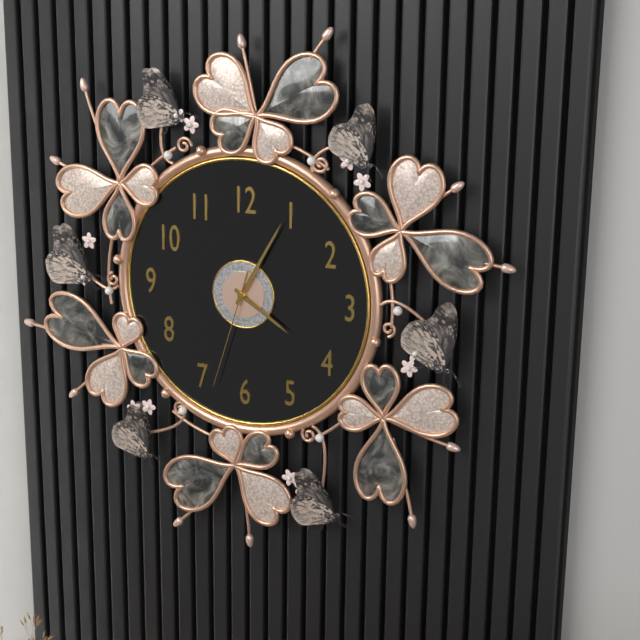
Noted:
4,05,33
